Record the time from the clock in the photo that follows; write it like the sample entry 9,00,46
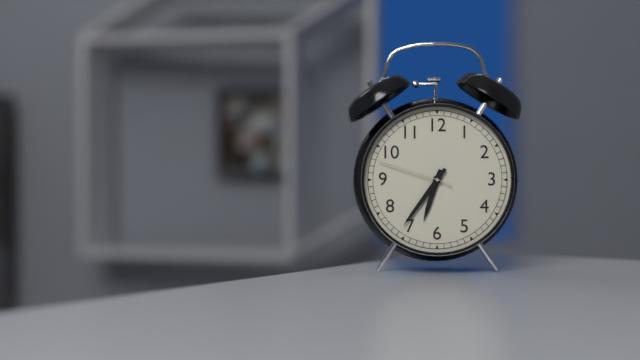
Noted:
6,36,48
